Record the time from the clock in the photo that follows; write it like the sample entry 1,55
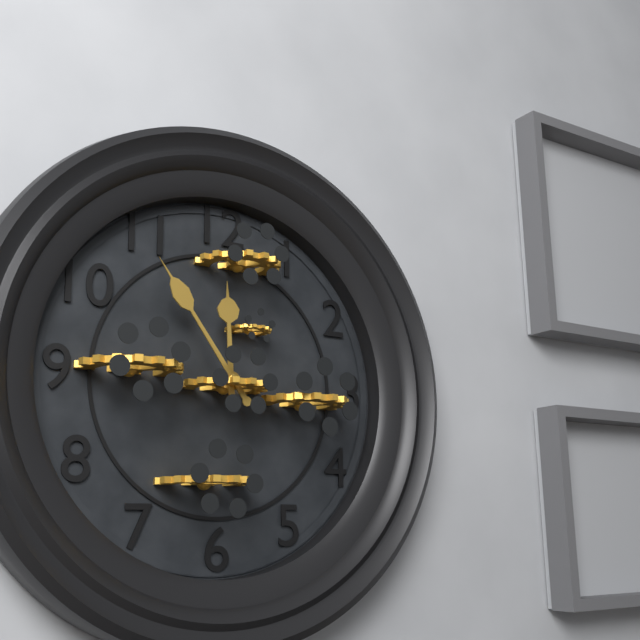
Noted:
11,54
